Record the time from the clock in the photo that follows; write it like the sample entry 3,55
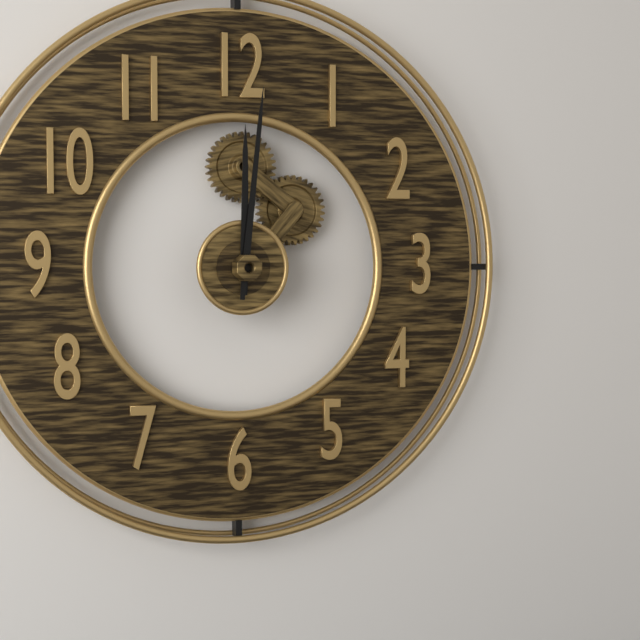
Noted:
12,01
